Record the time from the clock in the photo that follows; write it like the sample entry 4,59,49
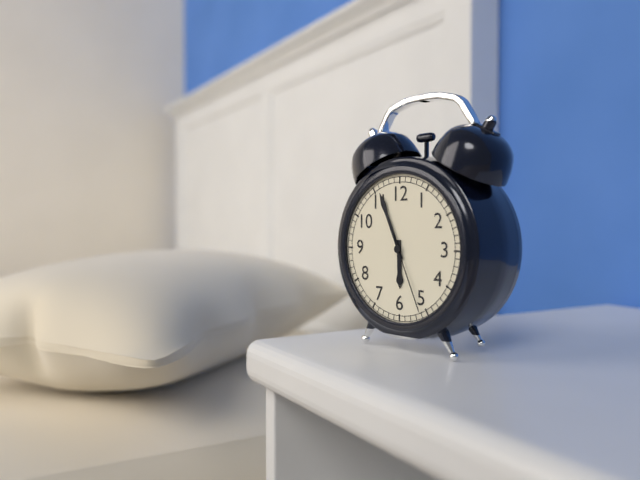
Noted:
5,56,26
